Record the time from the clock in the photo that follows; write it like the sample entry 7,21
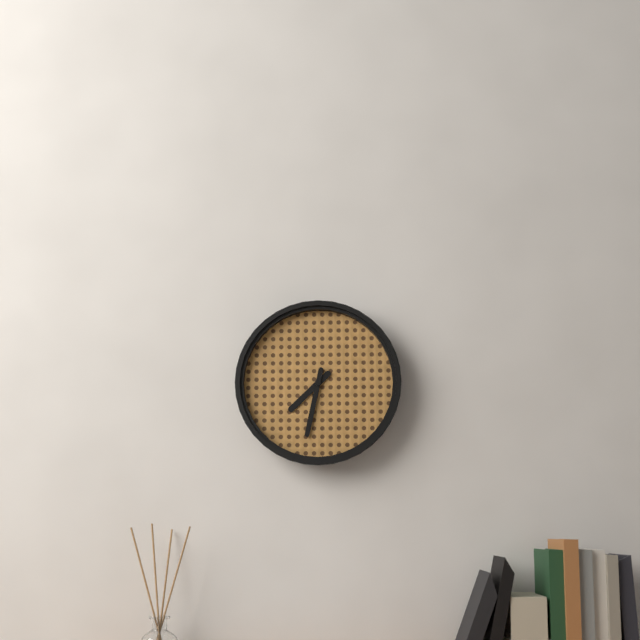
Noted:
7,32
